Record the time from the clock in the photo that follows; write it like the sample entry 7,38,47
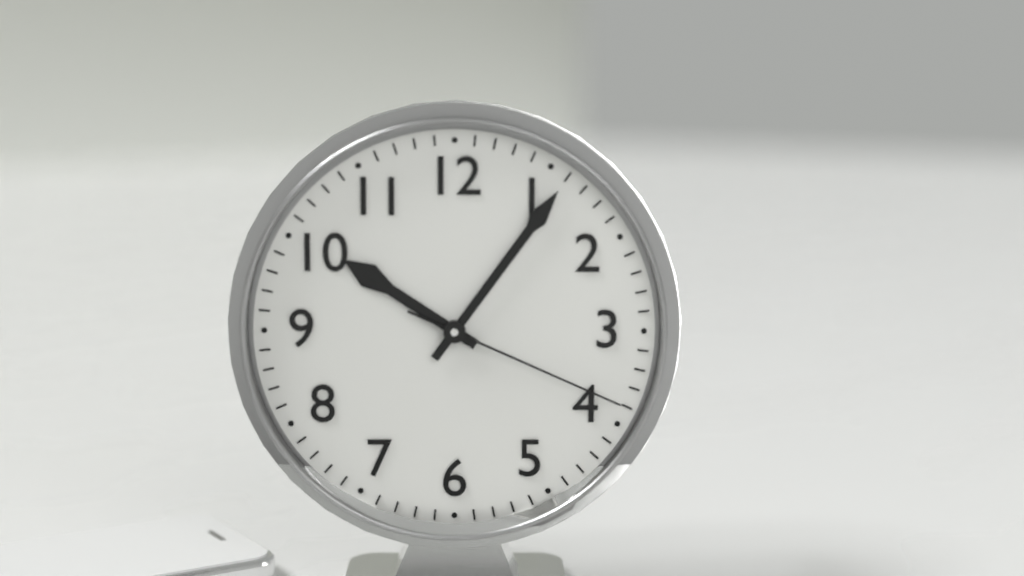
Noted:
10,06,19
